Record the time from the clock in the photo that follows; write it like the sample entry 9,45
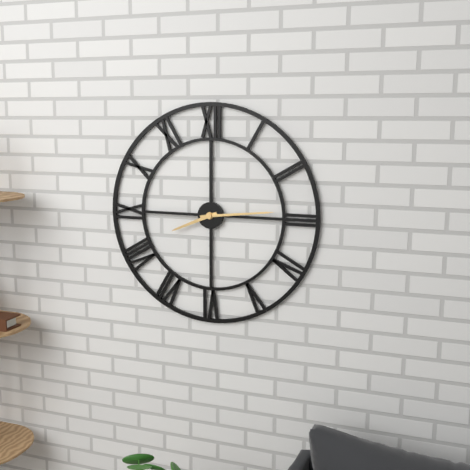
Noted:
8,14
